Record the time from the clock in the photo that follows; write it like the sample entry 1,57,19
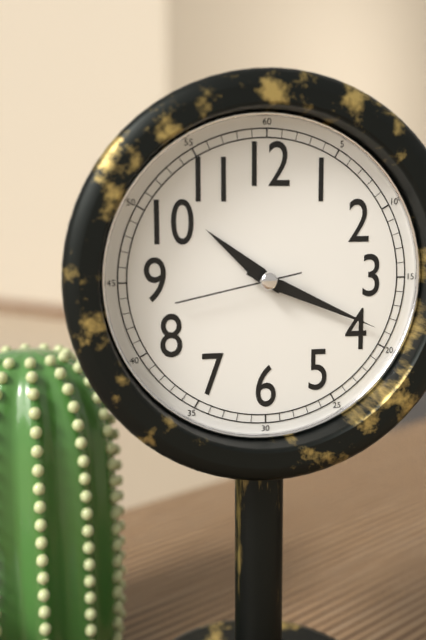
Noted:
10,19,43
